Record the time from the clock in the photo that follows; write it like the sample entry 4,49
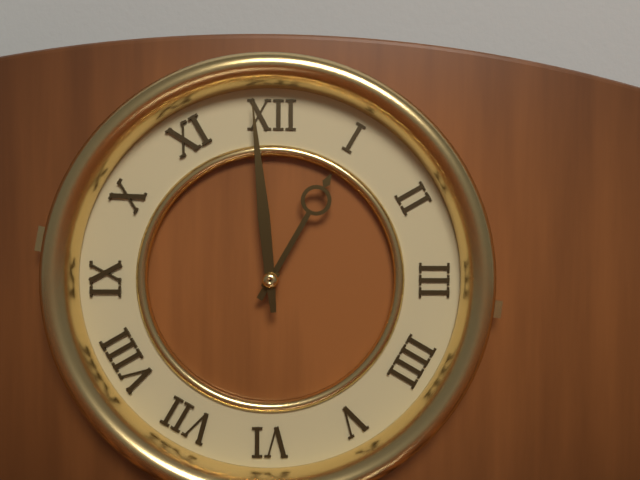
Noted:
12,59
